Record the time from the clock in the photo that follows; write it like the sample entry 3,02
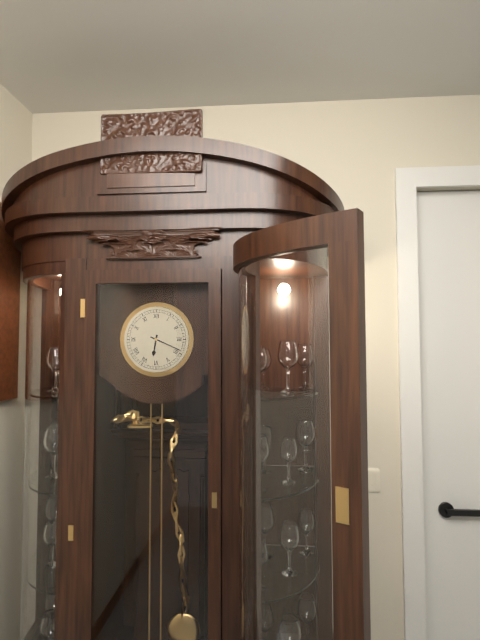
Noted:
6,19
